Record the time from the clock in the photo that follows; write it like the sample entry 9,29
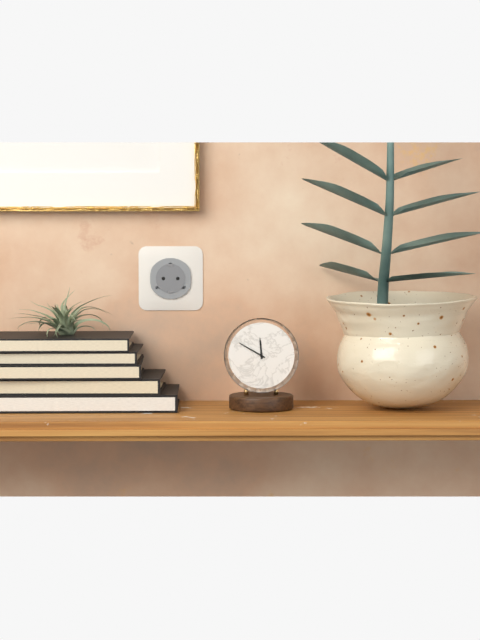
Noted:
11,50
